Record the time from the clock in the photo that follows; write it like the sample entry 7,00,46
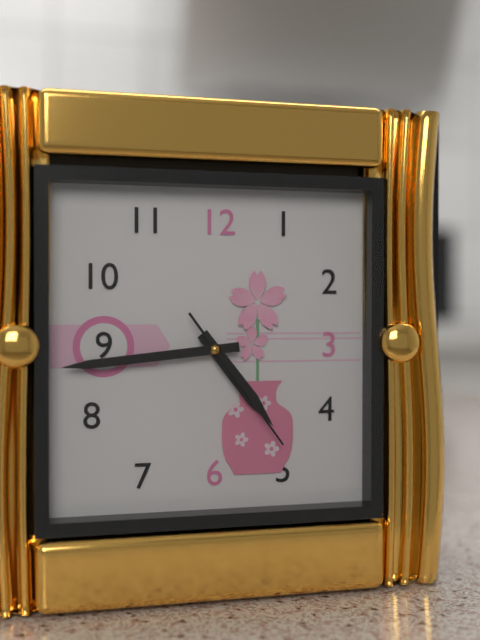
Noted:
4,44,24
